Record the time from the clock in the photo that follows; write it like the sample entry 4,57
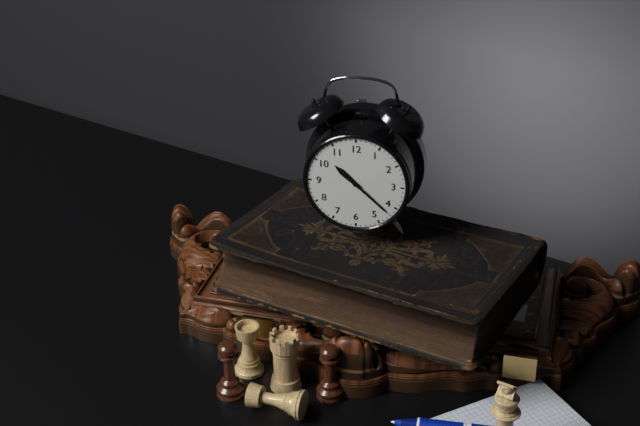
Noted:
10,22
